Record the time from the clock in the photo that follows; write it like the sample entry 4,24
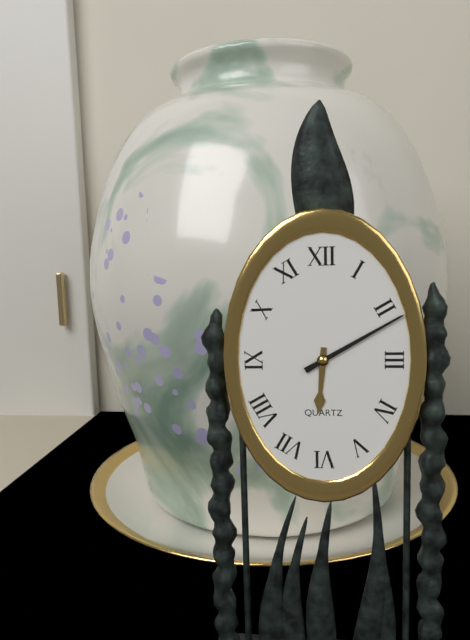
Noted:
6,10
